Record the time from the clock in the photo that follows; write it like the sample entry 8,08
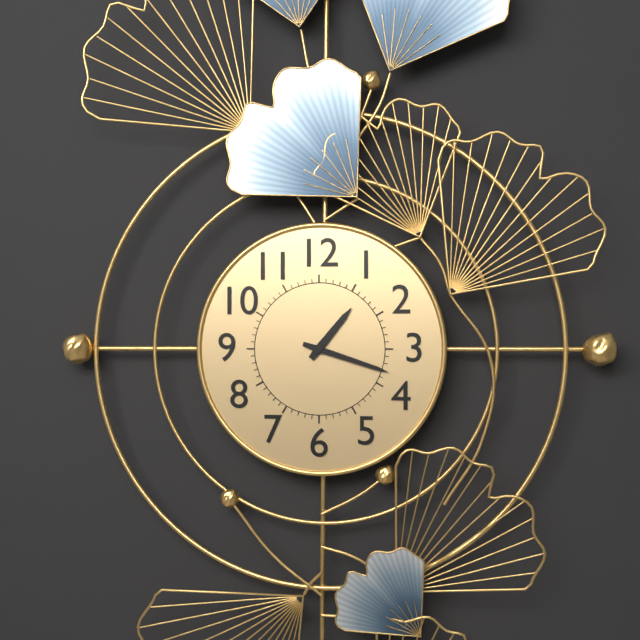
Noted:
1,18
